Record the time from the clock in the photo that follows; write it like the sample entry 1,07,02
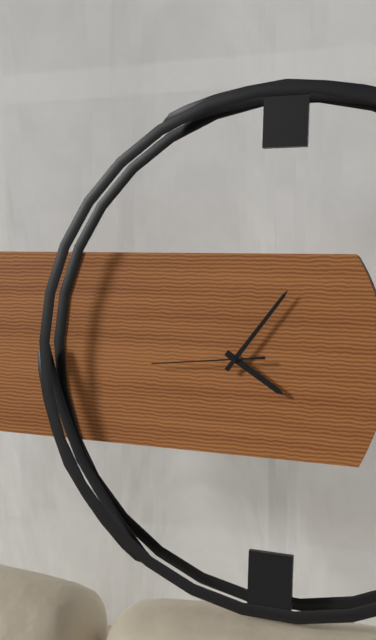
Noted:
4,06,44
